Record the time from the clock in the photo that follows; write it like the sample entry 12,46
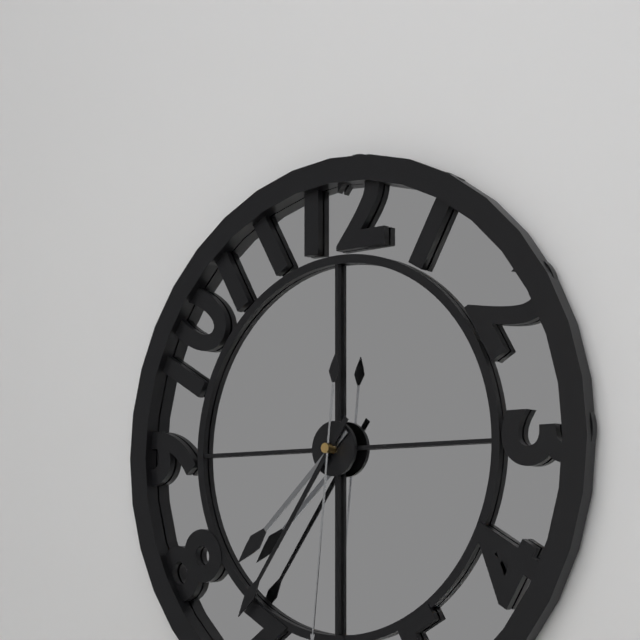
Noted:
7,36
